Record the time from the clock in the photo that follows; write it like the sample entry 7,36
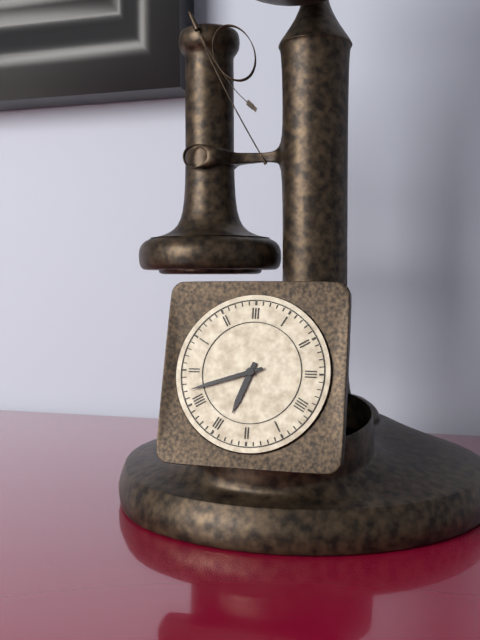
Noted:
6,42
